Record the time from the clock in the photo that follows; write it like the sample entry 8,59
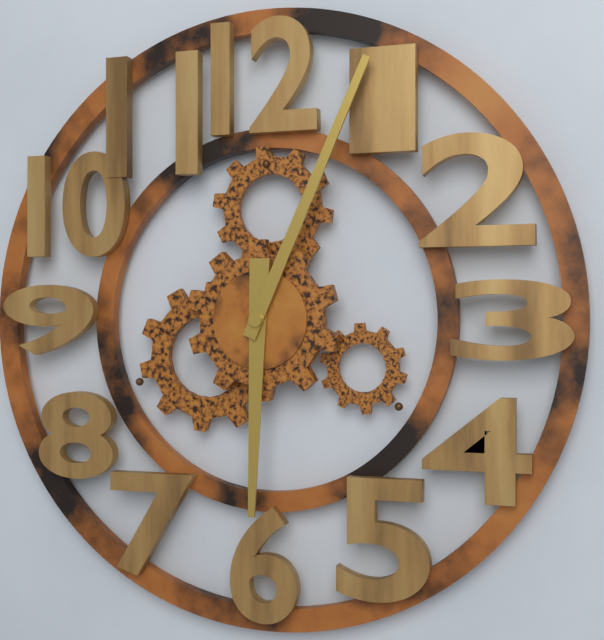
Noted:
6,04
